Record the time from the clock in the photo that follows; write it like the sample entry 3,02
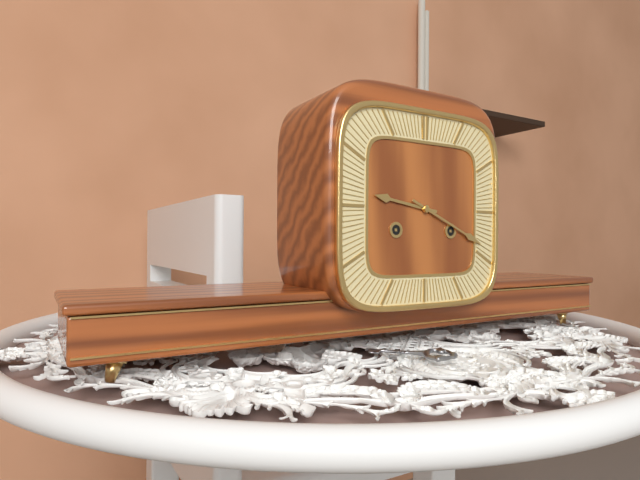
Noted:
9,19
